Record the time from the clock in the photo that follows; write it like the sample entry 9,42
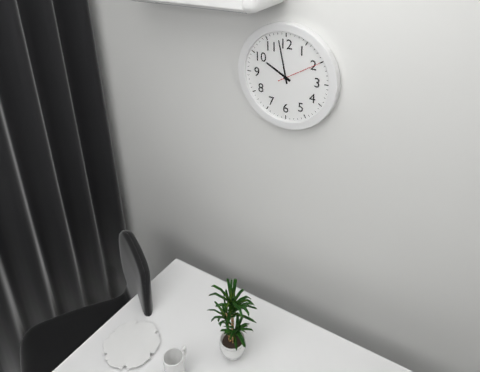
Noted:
9,58
